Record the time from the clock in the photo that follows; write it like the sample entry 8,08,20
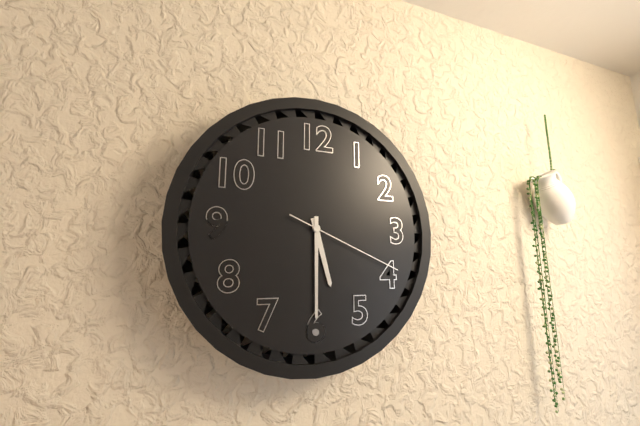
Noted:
5,30,19
